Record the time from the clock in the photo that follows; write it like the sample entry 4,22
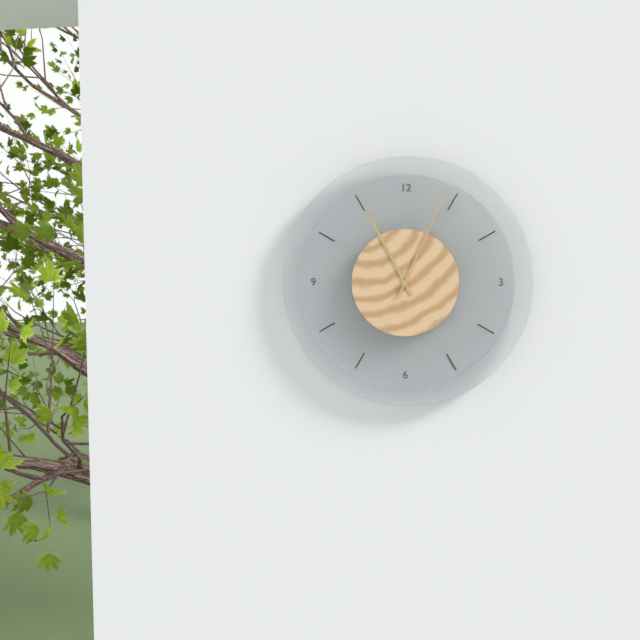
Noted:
11,04
